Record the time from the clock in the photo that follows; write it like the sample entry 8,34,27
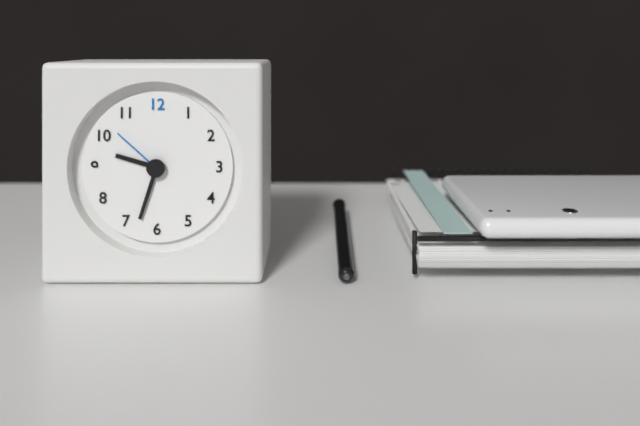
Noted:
9,33,52
